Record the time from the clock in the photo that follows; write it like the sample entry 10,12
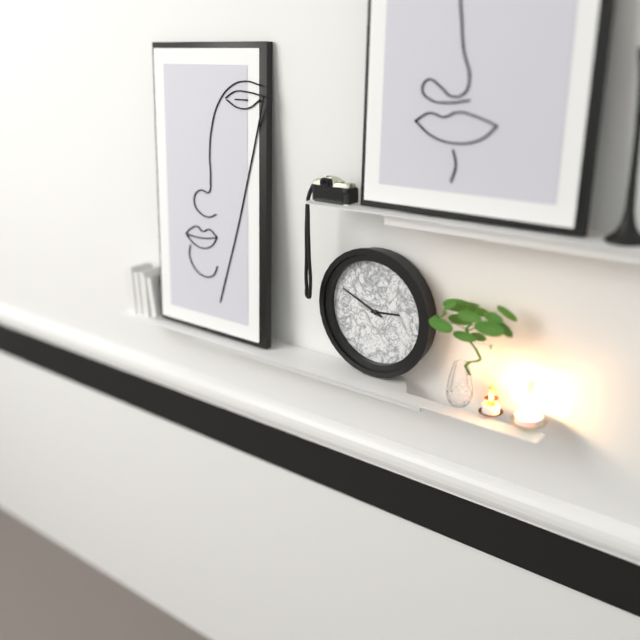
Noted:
2,49
